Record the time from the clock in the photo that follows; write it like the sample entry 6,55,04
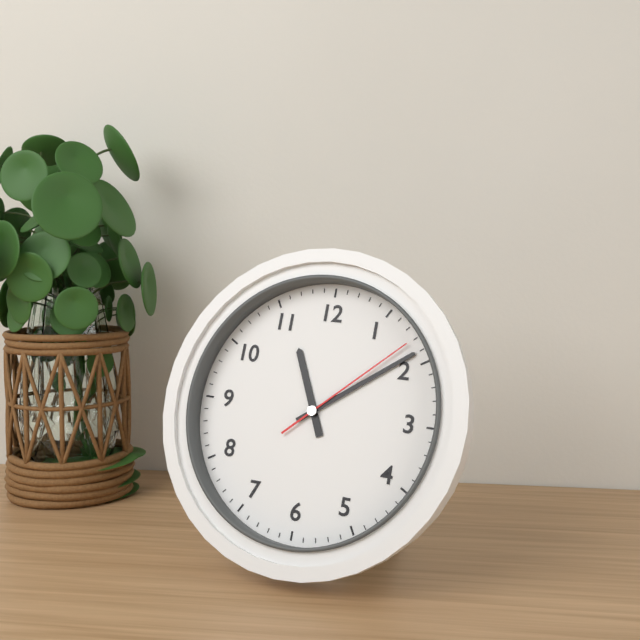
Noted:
11,09,08
